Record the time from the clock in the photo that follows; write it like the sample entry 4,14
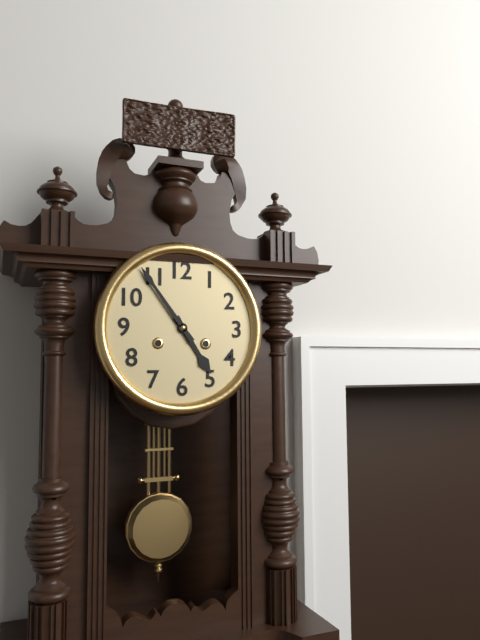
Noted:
4,54
